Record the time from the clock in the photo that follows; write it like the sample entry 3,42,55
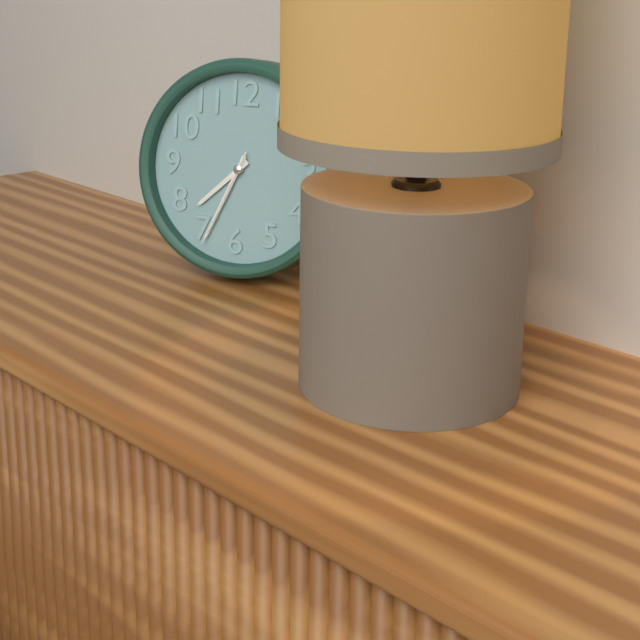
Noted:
7,34,34
